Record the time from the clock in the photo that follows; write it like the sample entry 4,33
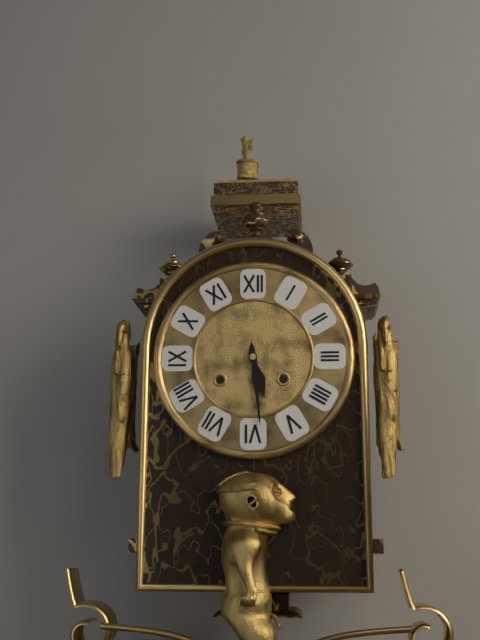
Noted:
5,29
